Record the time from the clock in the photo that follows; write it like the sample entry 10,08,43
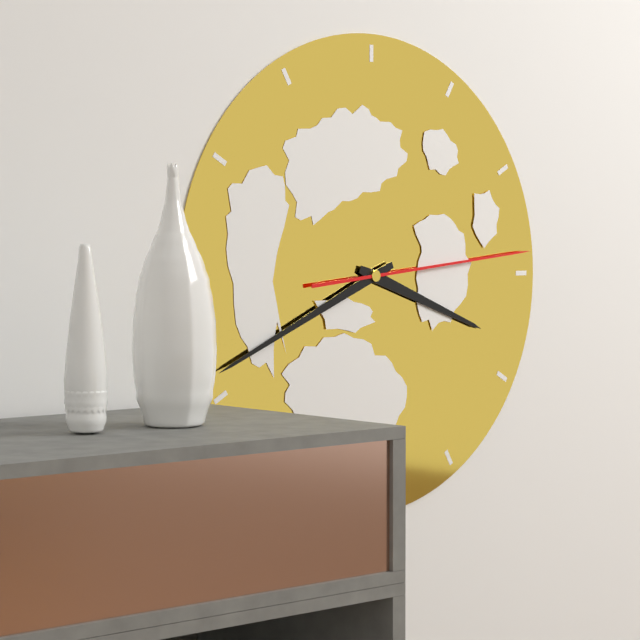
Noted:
3,41,14
